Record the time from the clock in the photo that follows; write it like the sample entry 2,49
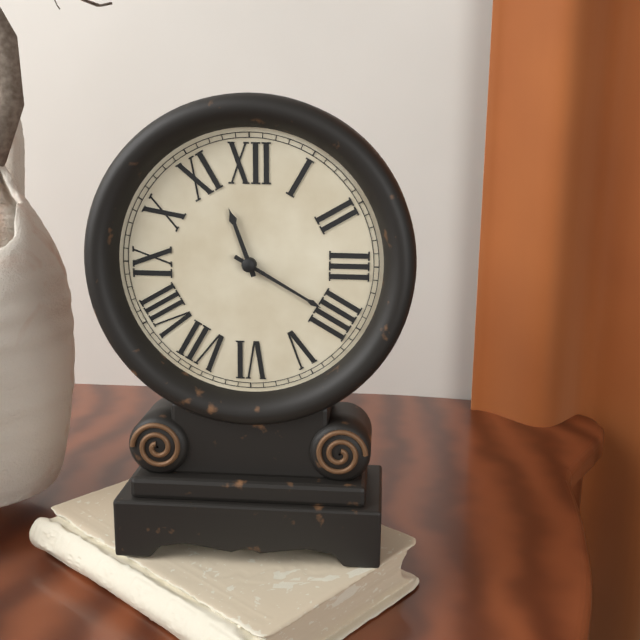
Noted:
11,20
